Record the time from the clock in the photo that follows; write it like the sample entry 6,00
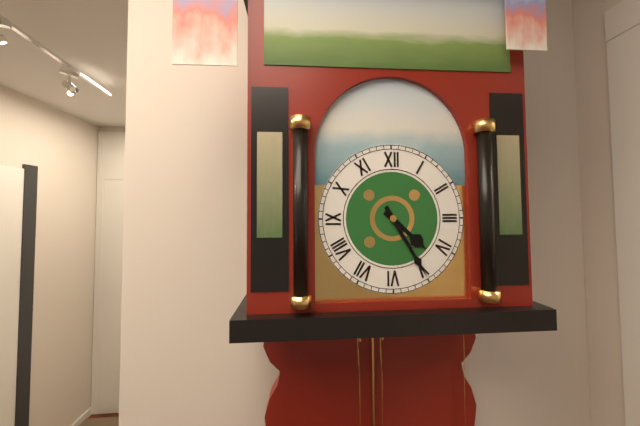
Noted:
4,25
